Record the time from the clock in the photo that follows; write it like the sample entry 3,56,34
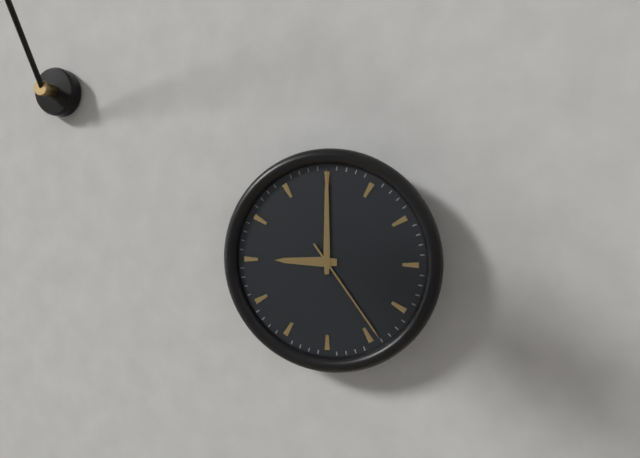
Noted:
9,00,24
